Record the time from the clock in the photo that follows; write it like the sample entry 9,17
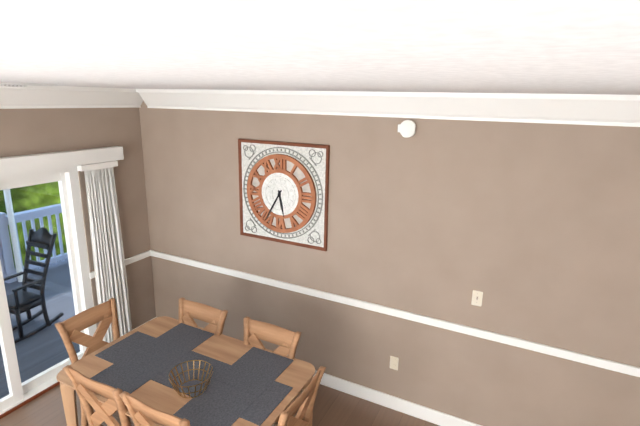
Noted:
5,35
